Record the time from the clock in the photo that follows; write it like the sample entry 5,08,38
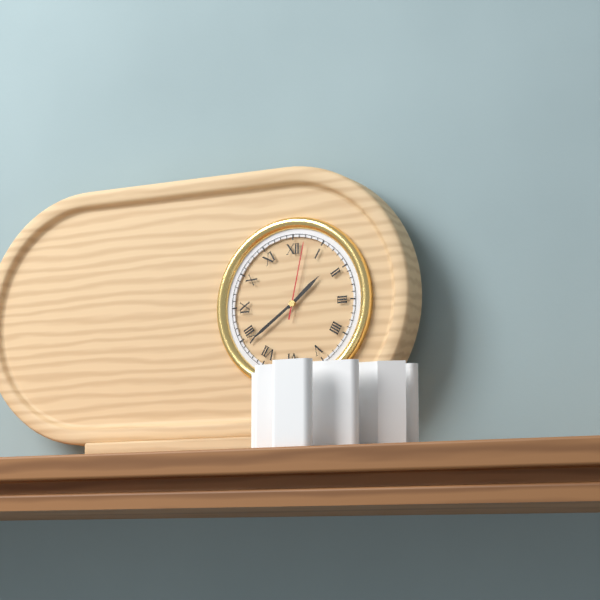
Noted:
1,39,02
